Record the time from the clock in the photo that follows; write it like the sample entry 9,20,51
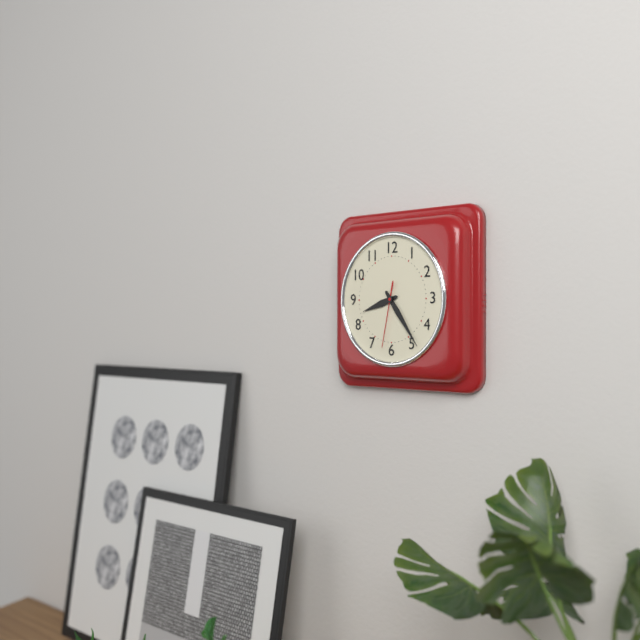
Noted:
8,24,32
